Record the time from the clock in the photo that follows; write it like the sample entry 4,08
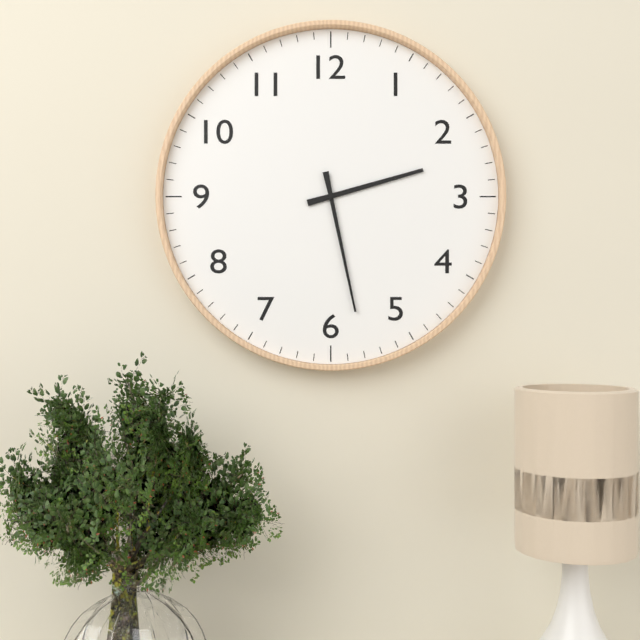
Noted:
2,28
